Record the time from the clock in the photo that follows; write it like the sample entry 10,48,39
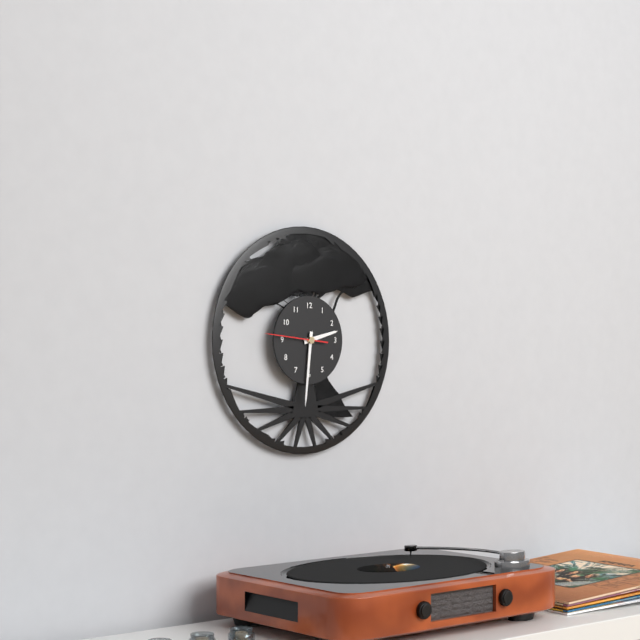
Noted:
2,31,46
